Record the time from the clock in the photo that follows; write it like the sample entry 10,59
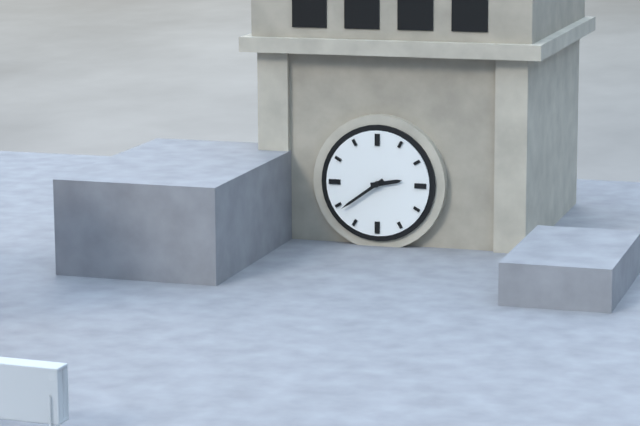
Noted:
2,39
